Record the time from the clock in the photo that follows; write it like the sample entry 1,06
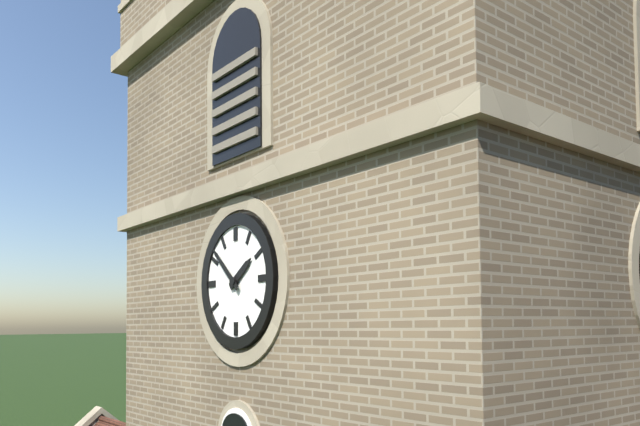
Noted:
1,52
